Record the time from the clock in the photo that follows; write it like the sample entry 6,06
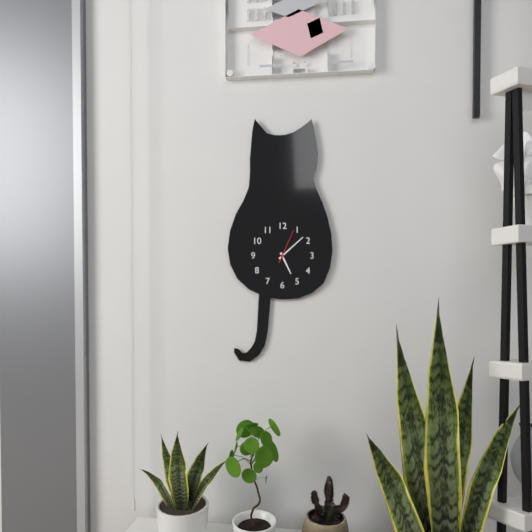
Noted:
5,08
